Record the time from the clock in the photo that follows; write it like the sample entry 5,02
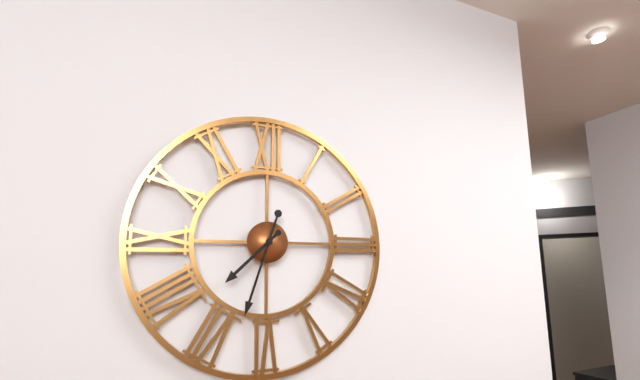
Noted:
7,33
